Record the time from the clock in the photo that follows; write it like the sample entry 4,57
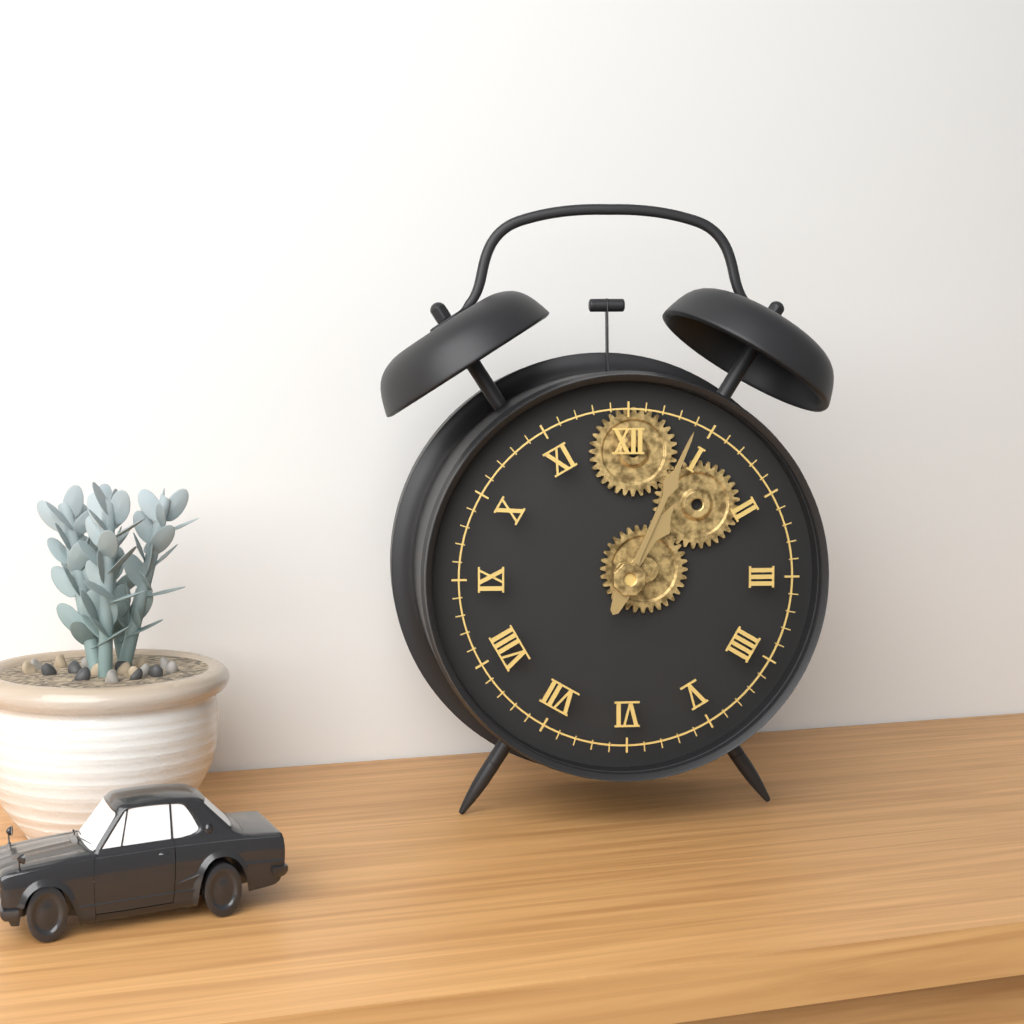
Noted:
1,04
